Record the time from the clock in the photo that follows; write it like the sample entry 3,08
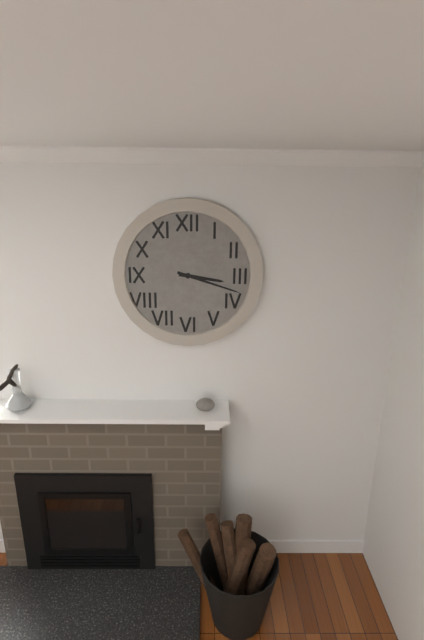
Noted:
3,18
